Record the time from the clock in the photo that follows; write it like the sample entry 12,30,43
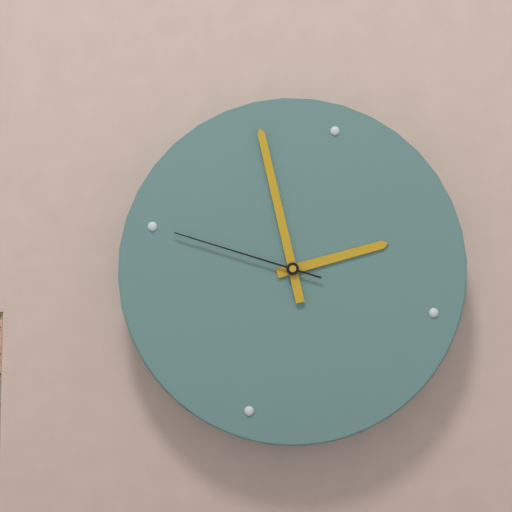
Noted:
1,55,45
